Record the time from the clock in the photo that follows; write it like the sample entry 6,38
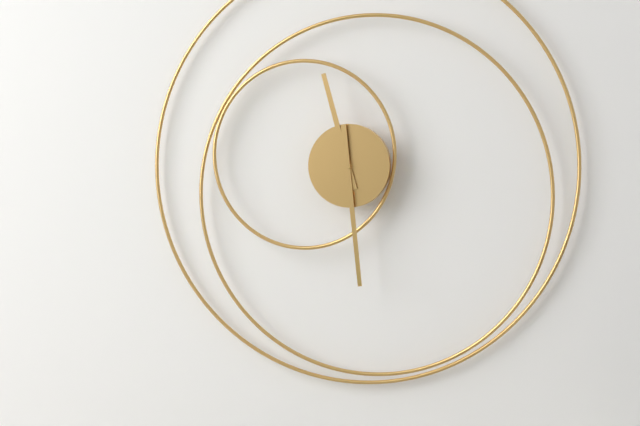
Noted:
11,29
